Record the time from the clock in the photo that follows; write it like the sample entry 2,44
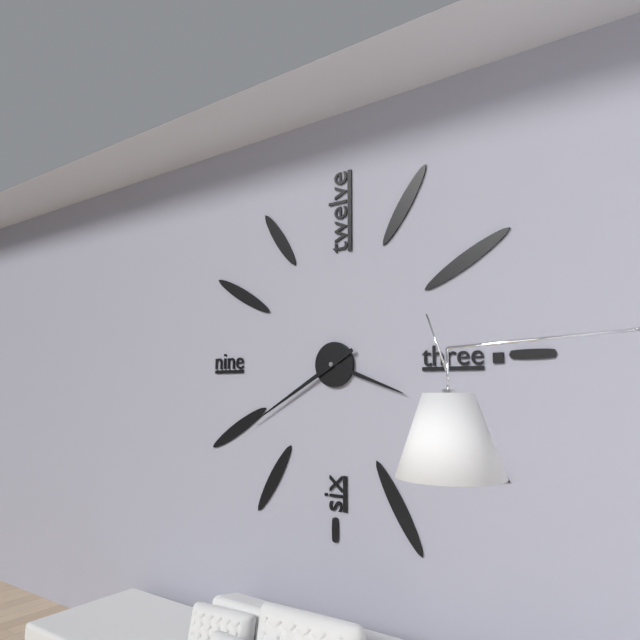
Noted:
3,40
